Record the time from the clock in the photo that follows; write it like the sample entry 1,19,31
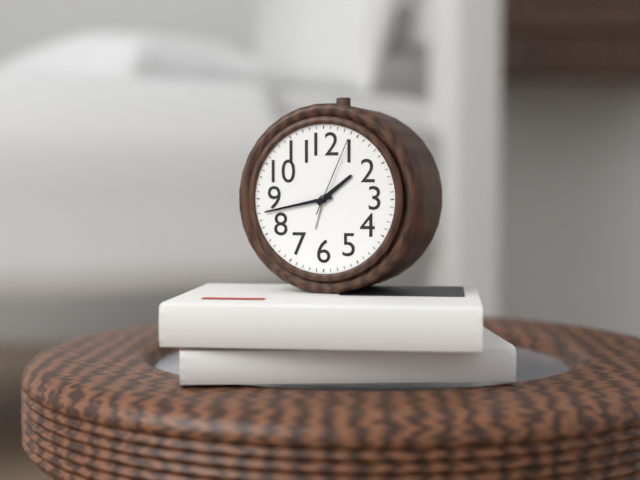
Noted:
1,43,04
